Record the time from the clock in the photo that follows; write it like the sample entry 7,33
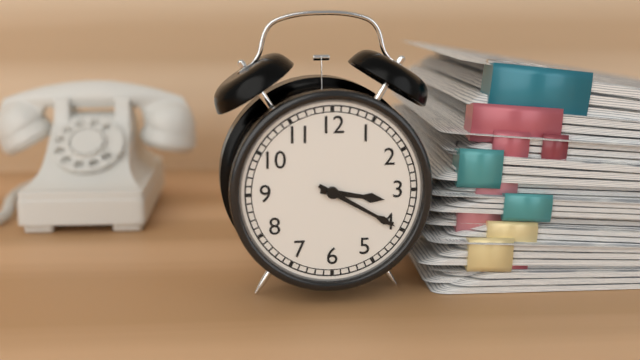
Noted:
3,20
